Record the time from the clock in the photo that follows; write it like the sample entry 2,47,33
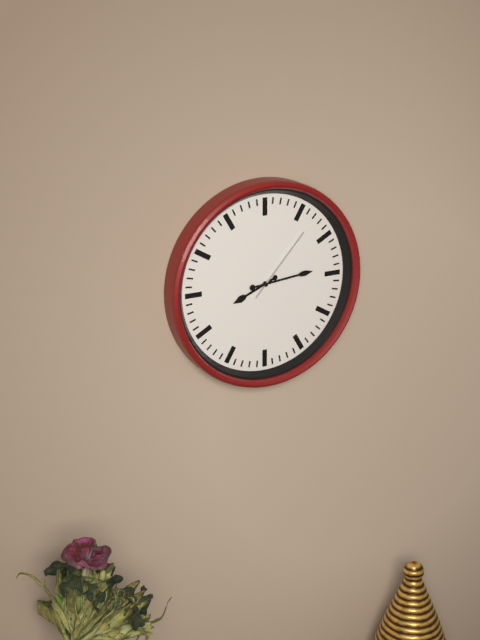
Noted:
8,14,07
